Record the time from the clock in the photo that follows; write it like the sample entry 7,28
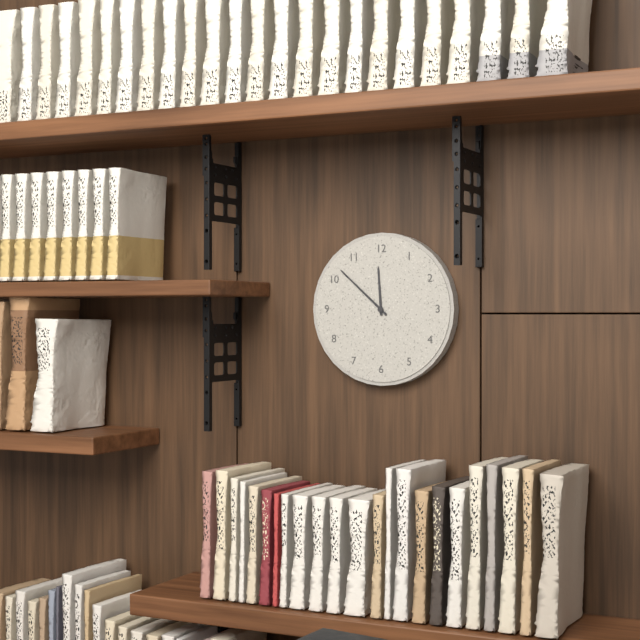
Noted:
11,52
